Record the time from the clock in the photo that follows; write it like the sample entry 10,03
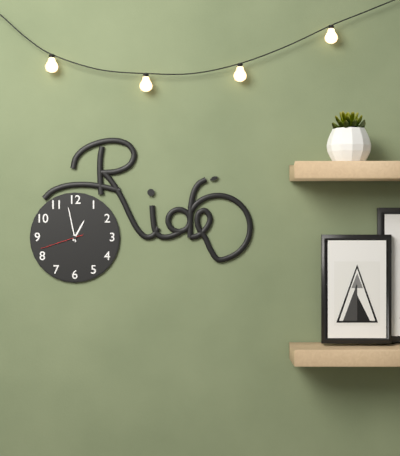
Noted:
12,58
